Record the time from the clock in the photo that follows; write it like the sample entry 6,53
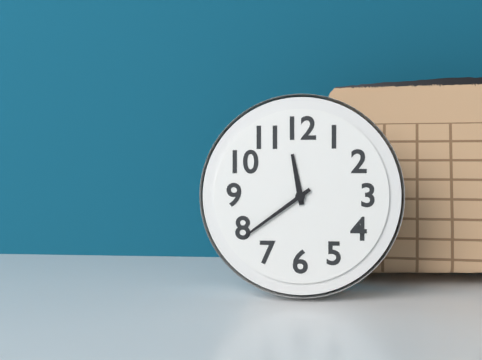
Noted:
11,39
